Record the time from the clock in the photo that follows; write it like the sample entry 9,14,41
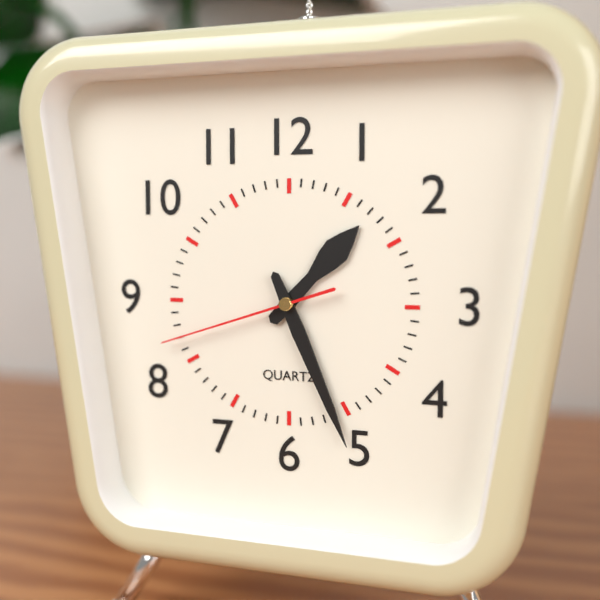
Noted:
1,26,42
